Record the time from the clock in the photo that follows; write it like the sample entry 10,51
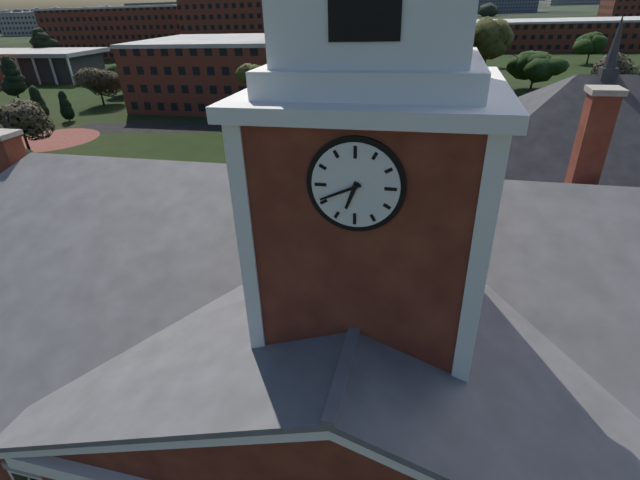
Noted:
6,41
